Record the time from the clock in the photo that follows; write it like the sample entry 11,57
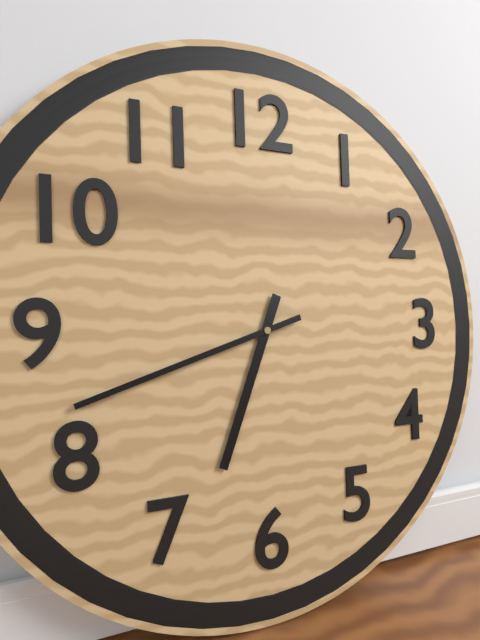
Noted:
6,42
